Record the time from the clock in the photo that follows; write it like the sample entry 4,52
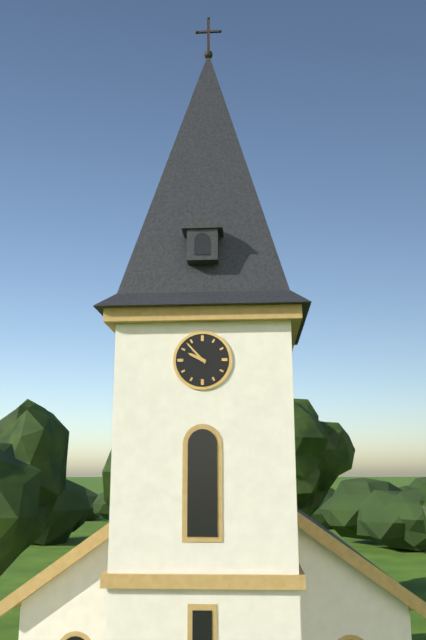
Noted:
9,53
